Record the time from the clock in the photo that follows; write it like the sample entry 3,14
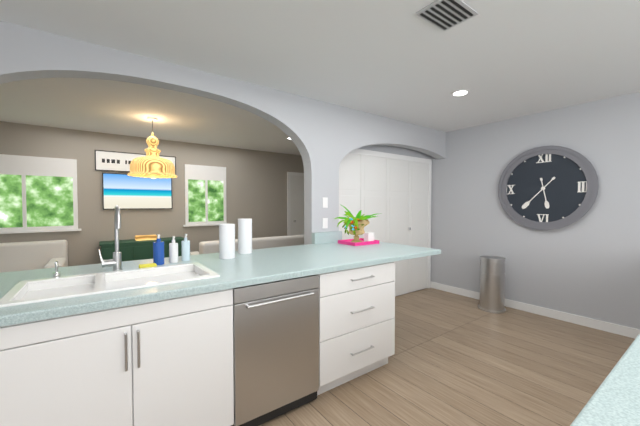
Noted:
5,37
